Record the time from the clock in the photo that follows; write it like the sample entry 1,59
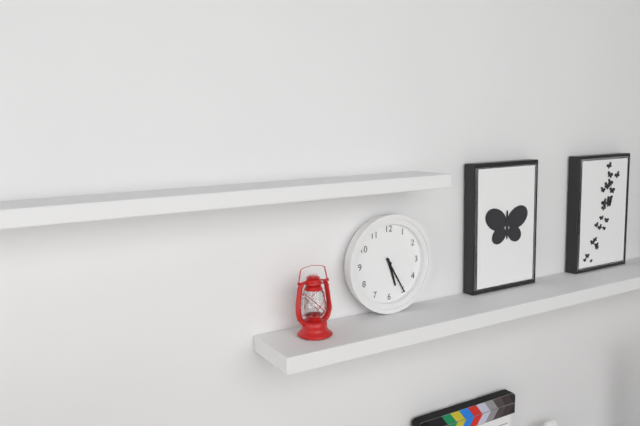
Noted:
5,25
